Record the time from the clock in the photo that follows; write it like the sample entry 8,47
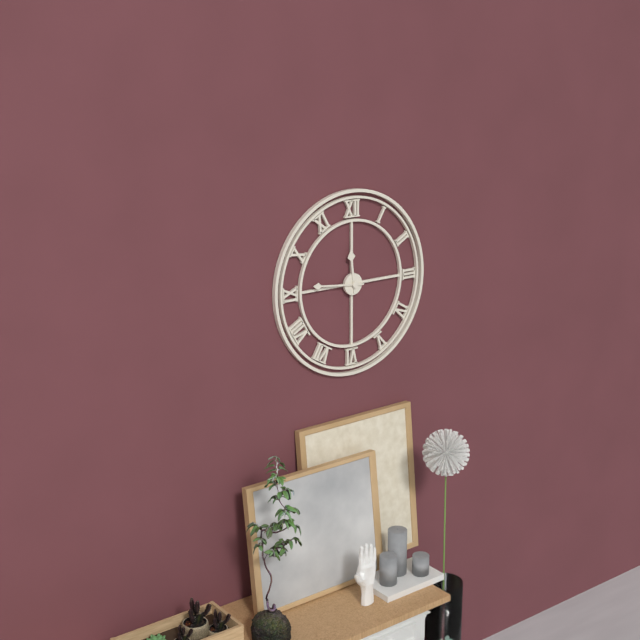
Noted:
11,46
